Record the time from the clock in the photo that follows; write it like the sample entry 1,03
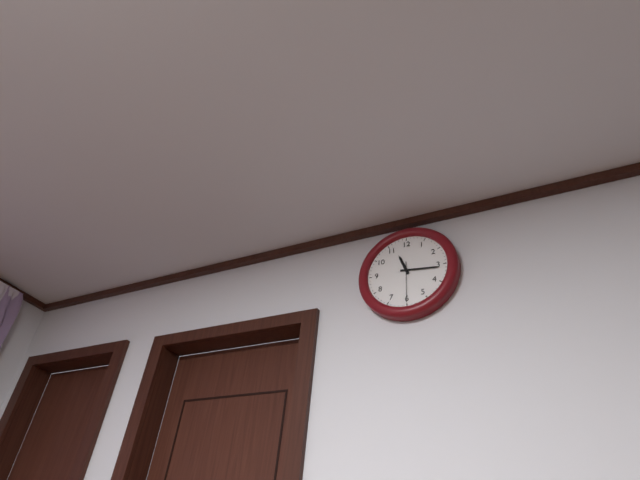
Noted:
11,16
